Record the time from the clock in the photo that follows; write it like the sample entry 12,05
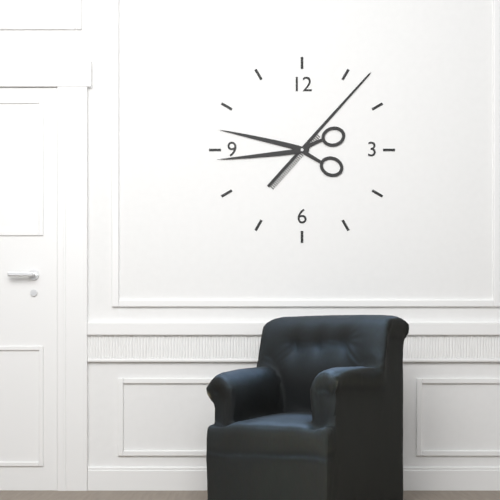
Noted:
9,07
